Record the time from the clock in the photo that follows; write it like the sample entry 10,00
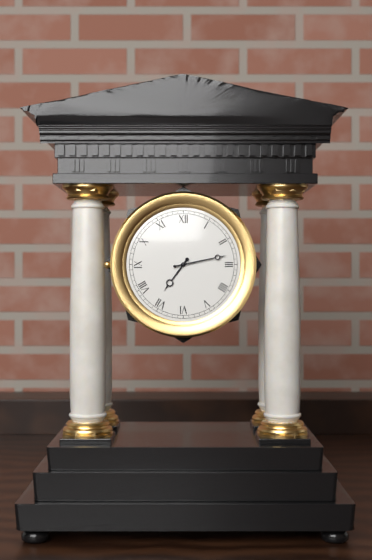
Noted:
7,13
